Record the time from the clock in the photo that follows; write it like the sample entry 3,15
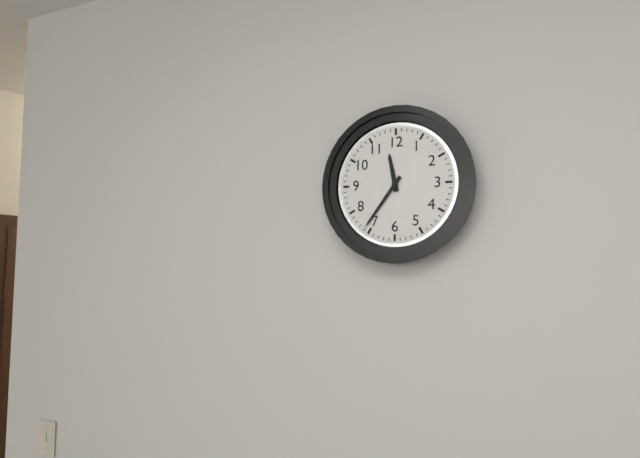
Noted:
11,36
